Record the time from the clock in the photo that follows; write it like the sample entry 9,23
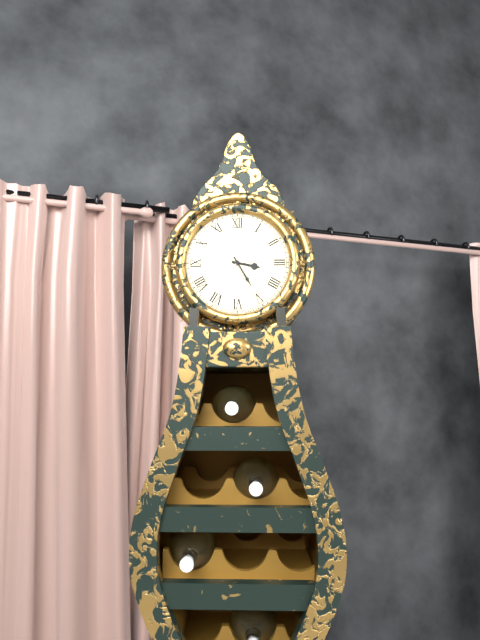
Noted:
3,25
